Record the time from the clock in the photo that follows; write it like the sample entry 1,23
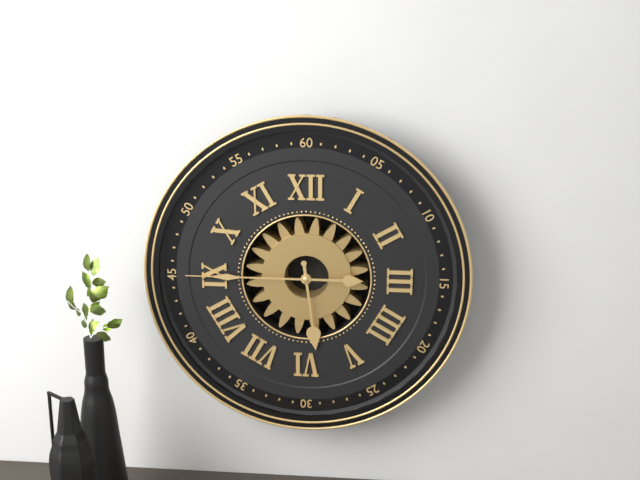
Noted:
5,45
